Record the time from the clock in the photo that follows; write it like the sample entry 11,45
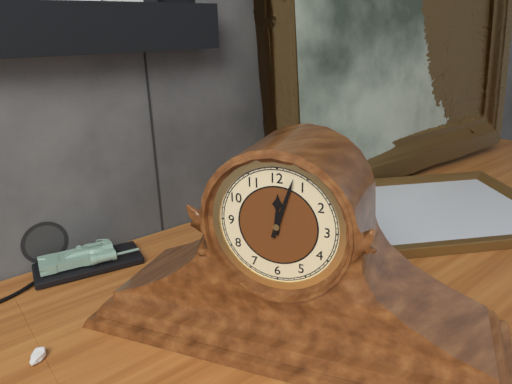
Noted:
12,03
